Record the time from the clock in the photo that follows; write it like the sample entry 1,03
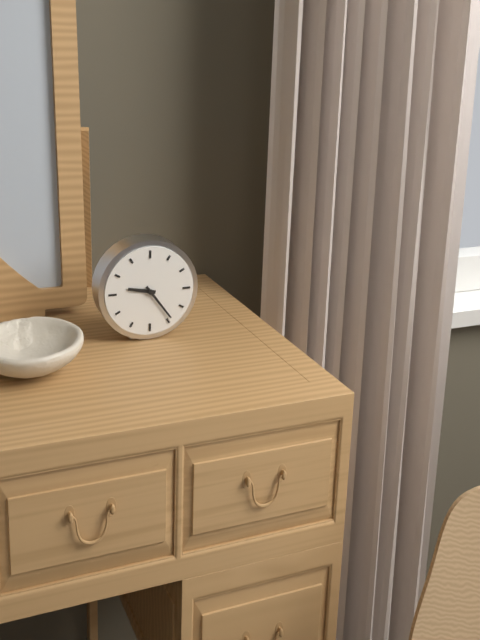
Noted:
9,24
